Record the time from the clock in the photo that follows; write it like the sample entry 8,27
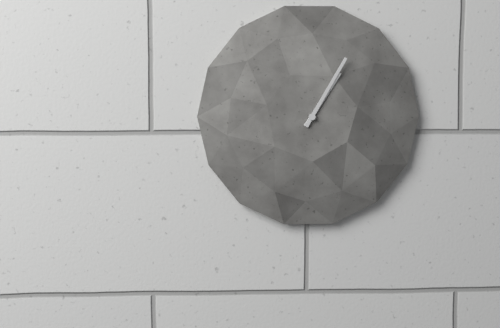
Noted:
1,05
